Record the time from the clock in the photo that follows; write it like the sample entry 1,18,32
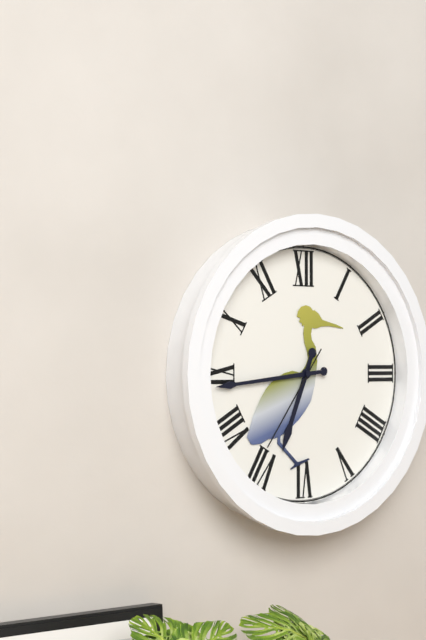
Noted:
6,44,36
